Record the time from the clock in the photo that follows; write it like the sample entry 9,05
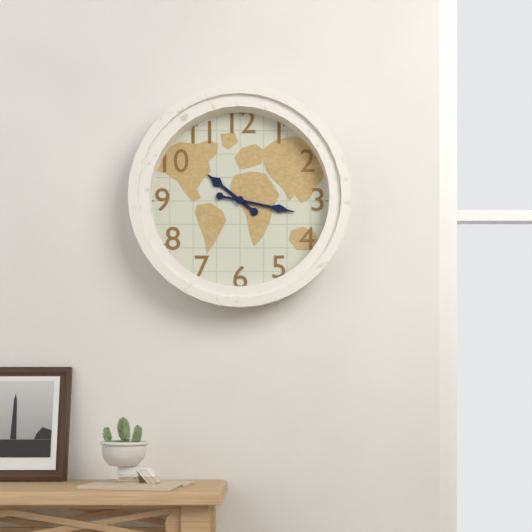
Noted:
10,17
